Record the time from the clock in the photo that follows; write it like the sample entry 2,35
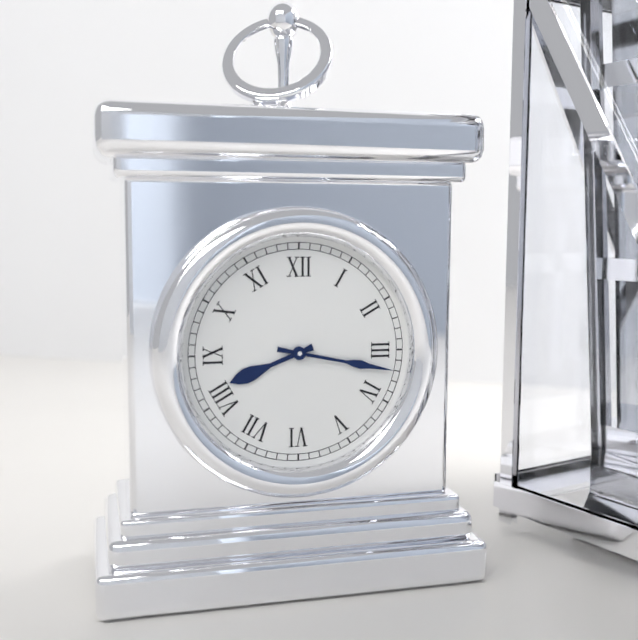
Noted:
8,17
